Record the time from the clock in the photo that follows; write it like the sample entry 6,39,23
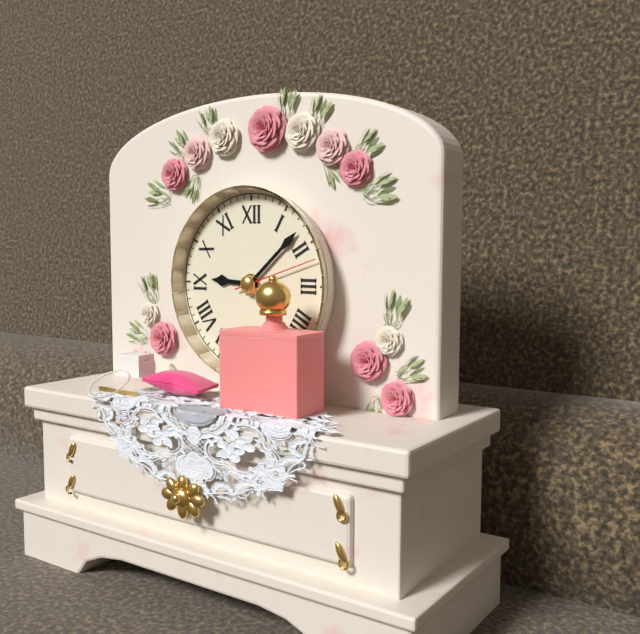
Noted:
9,08,12
